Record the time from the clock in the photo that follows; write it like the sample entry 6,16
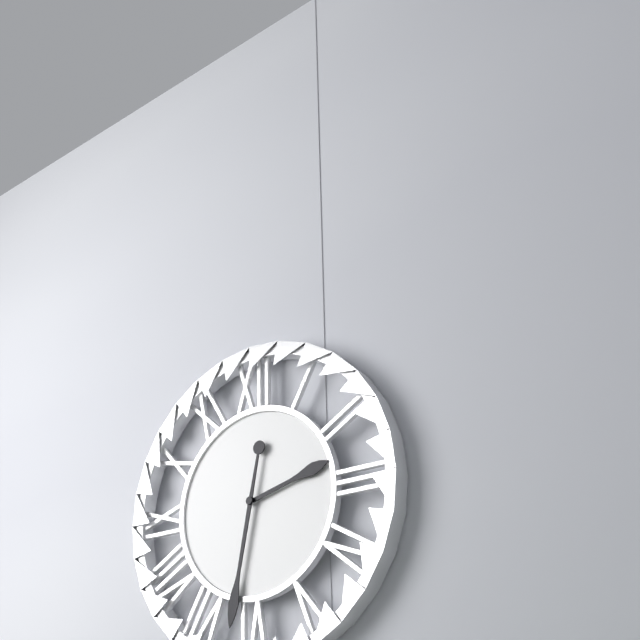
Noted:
2,32
